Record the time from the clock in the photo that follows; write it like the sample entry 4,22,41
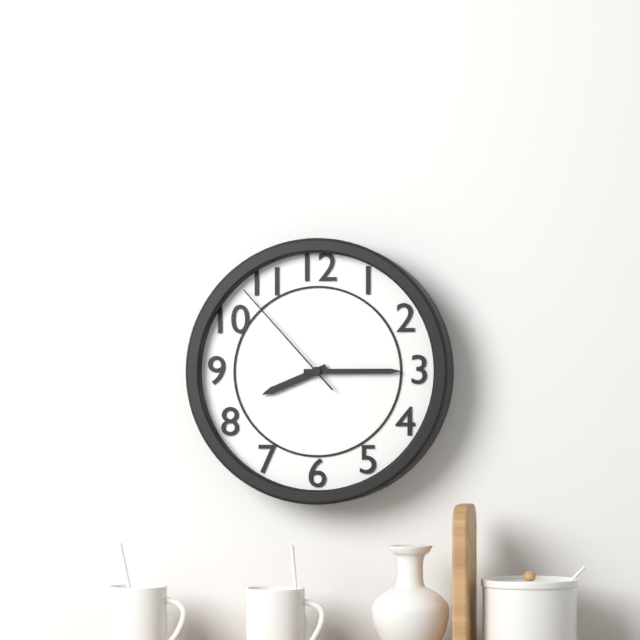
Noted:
8,15,53
